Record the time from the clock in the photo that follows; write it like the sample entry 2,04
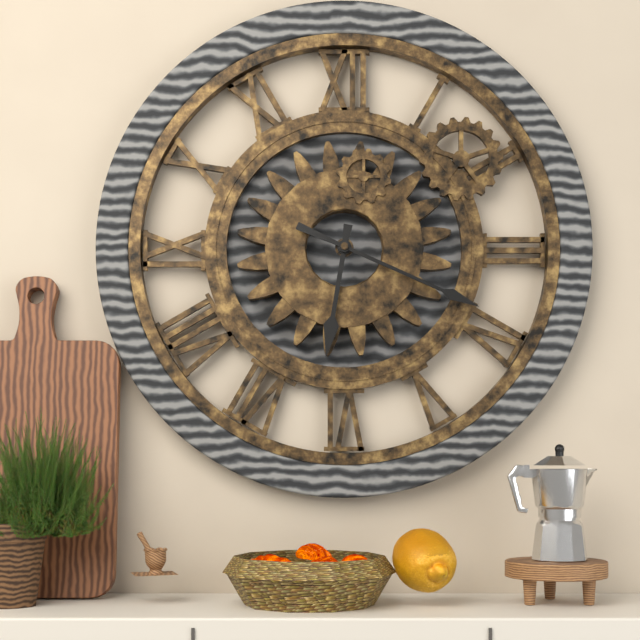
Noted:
6,19
